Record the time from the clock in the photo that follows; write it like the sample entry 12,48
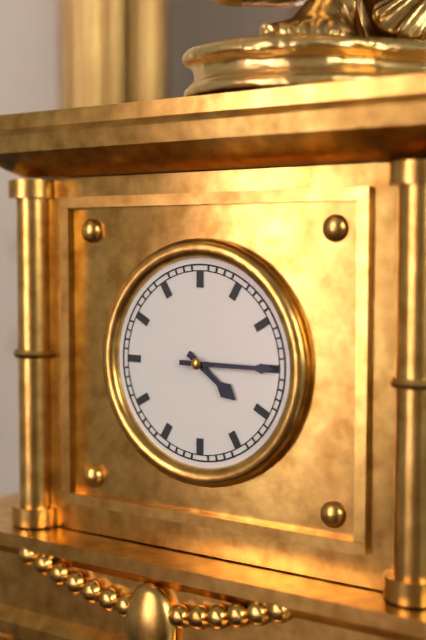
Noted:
4,15
